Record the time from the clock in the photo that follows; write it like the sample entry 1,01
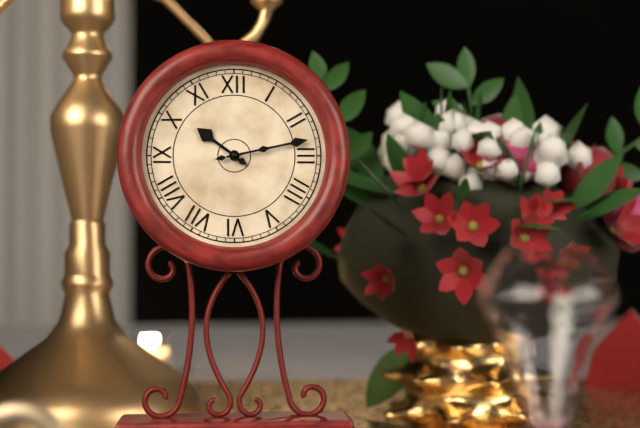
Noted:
10,13
